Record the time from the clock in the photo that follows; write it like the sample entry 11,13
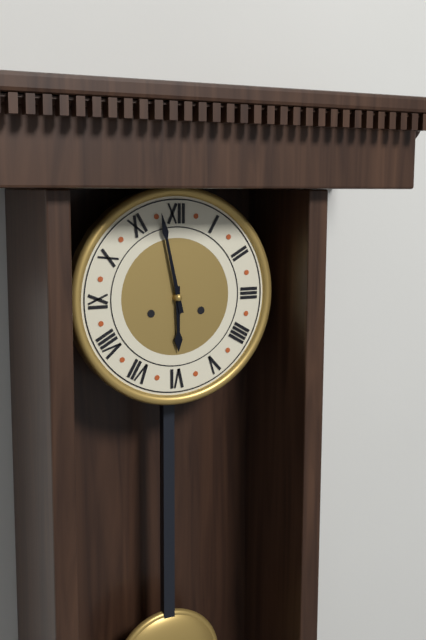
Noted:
5,58
